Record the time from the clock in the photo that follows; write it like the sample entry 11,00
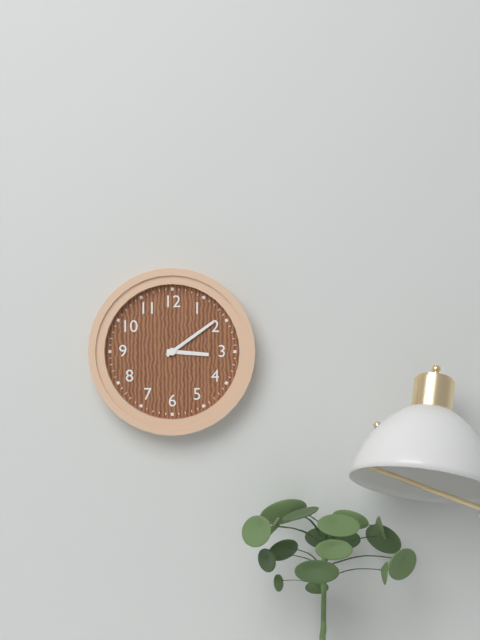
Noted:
3,09
